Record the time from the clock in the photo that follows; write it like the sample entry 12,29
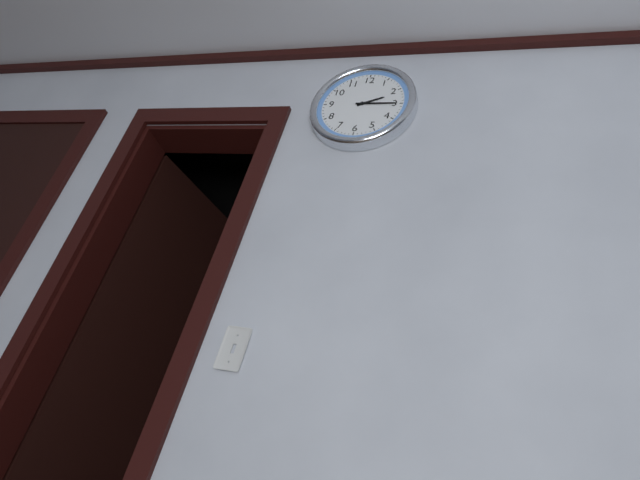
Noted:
2,15
